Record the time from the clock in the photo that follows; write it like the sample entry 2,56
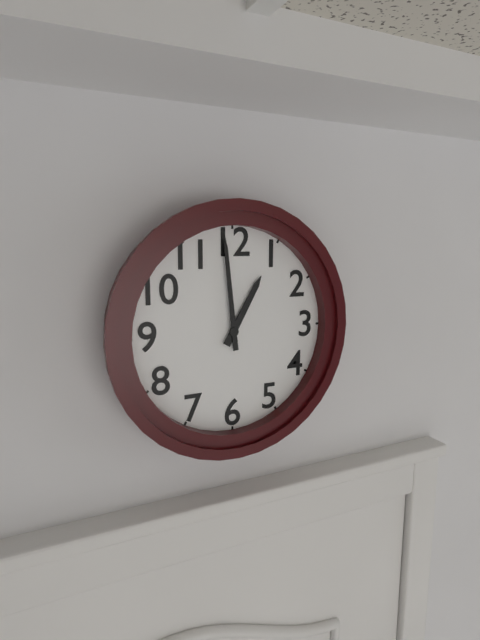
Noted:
12,59
